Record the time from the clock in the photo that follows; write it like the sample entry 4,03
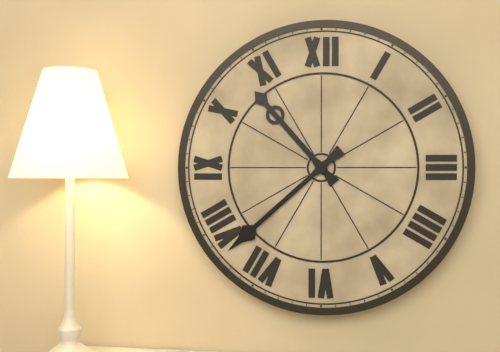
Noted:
10,38
